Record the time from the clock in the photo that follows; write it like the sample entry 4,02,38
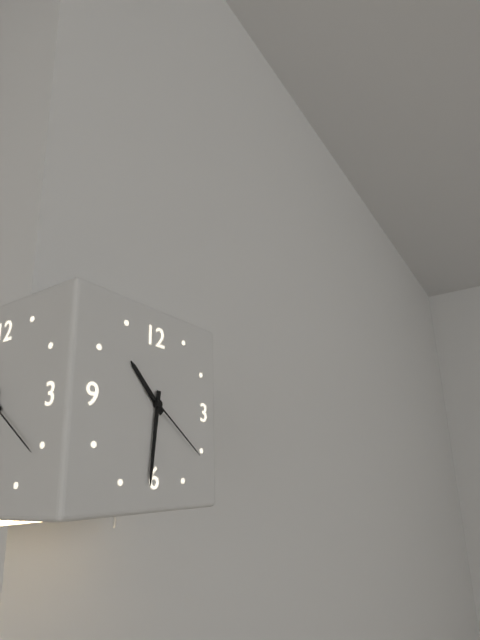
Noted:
10,31,21
